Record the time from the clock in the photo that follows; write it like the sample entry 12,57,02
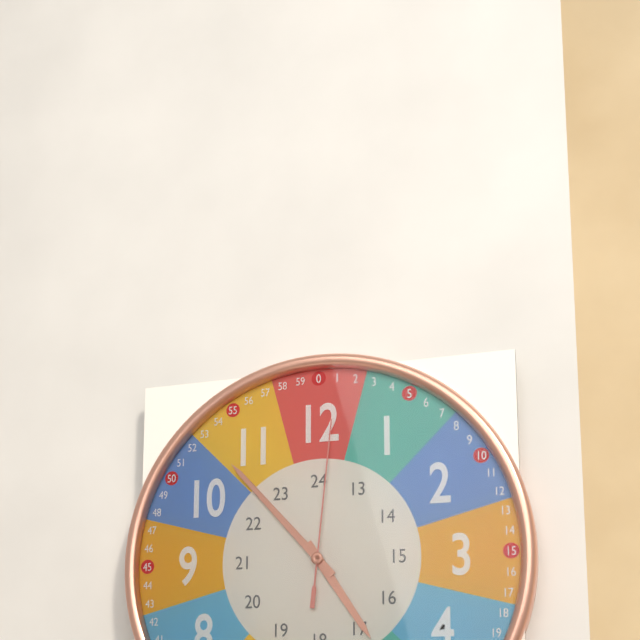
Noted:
4,53,01
